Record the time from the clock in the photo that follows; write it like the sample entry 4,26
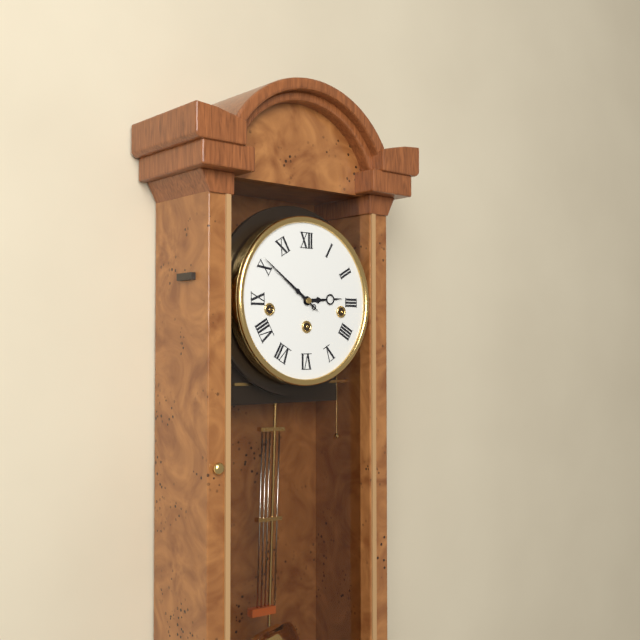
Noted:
2,51
